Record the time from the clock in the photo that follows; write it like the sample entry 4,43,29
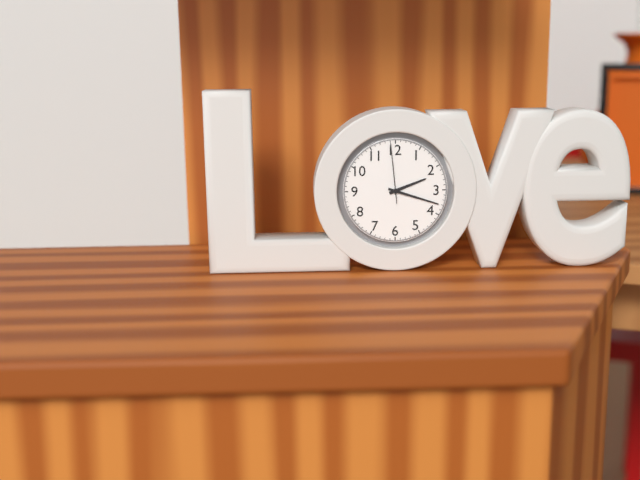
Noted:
2,18,59
